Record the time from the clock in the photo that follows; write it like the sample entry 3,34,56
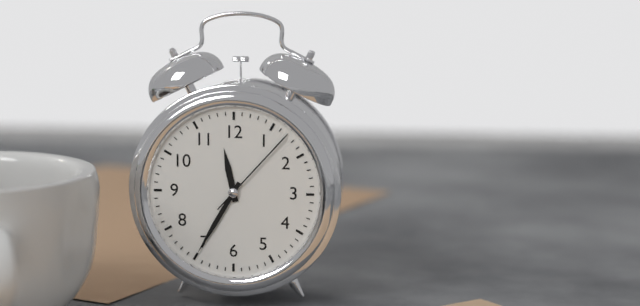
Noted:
11,35,07
